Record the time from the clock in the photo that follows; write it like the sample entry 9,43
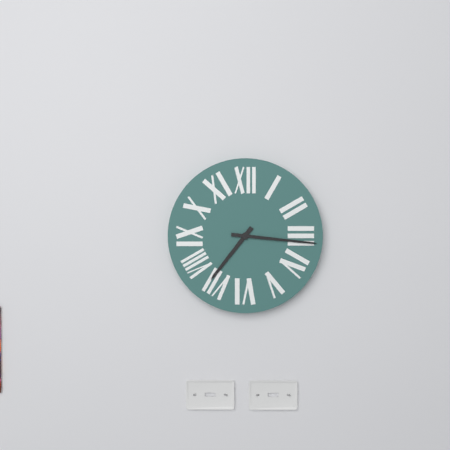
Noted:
7,16
